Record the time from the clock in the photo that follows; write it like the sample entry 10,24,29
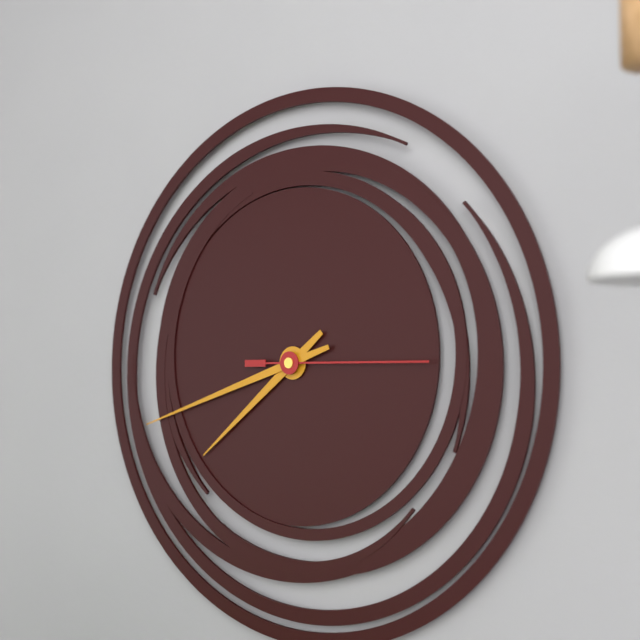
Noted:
7,42,15
